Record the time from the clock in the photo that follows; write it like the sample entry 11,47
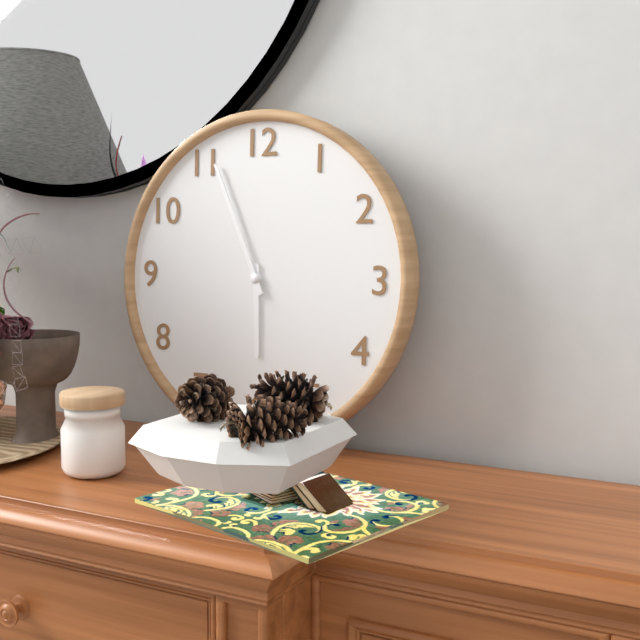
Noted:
5,56
